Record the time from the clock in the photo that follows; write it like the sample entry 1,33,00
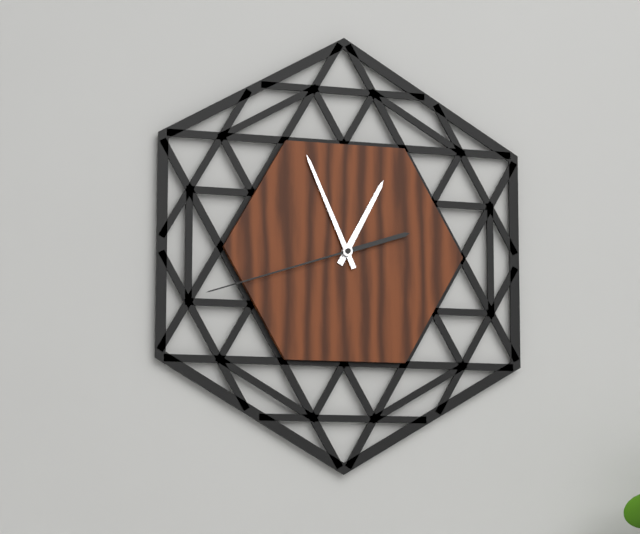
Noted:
12,56,42
